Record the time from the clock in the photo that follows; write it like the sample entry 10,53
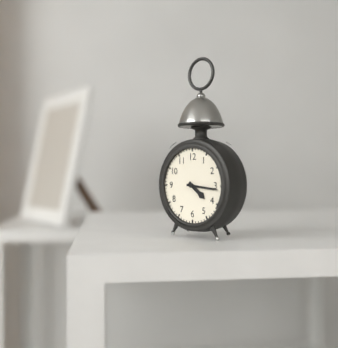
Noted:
4,16
